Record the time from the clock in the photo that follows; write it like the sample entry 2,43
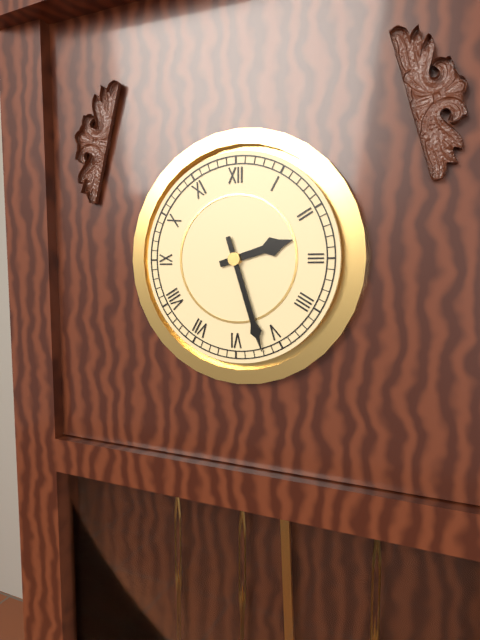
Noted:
2,27
